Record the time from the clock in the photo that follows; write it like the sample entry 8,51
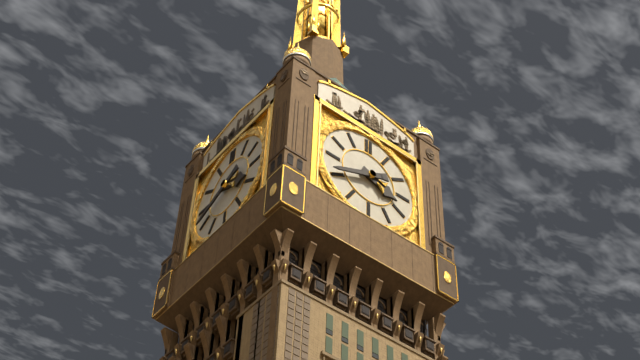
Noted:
3,41
